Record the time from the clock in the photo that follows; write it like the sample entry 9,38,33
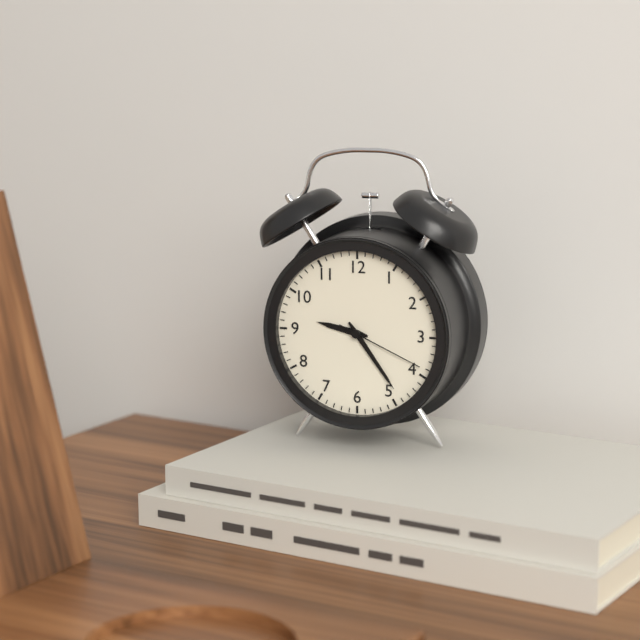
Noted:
9,24,19
